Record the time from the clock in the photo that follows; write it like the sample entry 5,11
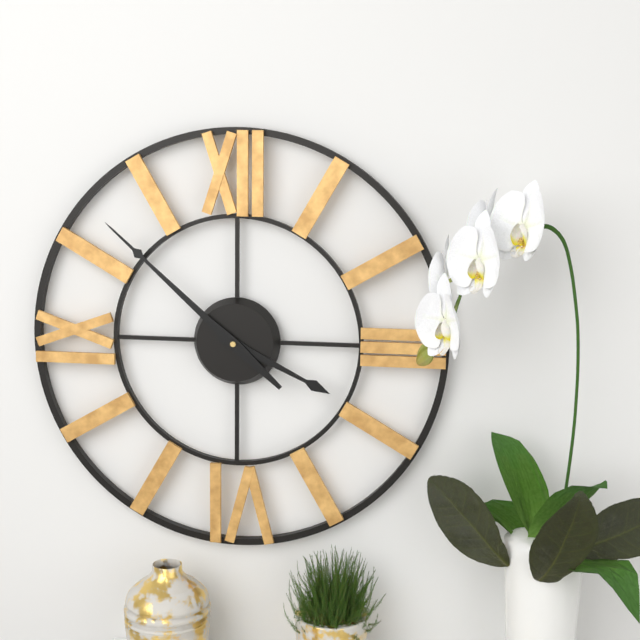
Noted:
3,52
